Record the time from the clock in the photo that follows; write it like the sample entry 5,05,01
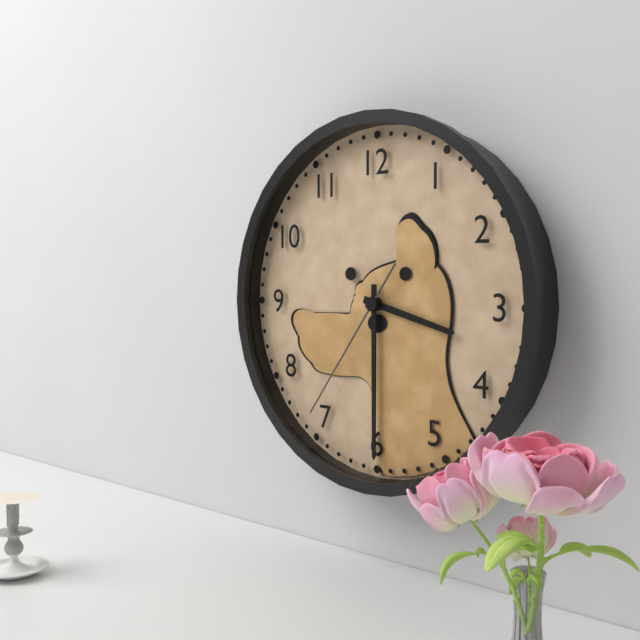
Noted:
3,30,36
